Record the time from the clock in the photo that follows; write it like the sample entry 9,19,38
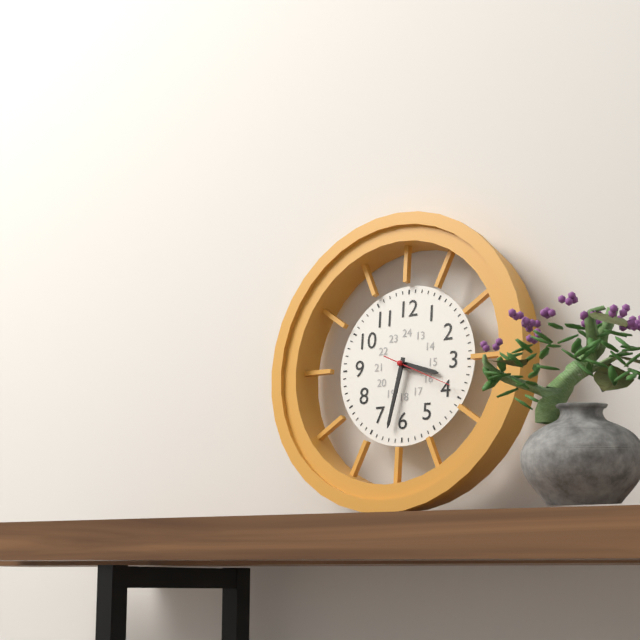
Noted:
3,32,19
